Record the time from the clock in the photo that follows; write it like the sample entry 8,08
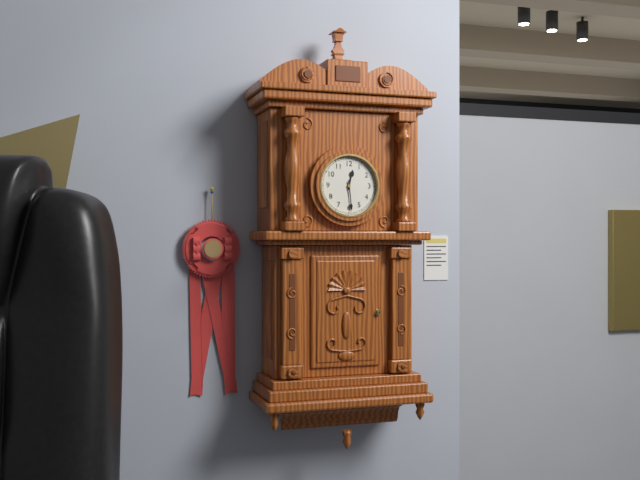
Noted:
12,29
